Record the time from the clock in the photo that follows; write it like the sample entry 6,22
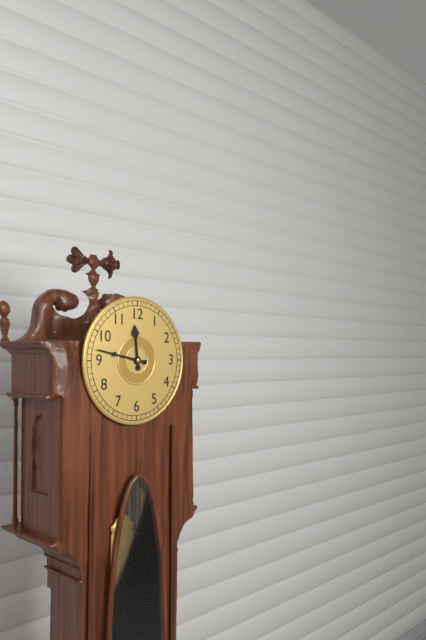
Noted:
11,47
